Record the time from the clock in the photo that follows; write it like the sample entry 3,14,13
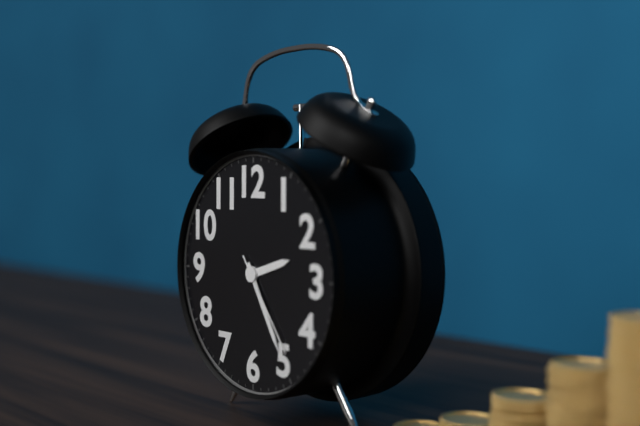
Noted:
2,25,24
